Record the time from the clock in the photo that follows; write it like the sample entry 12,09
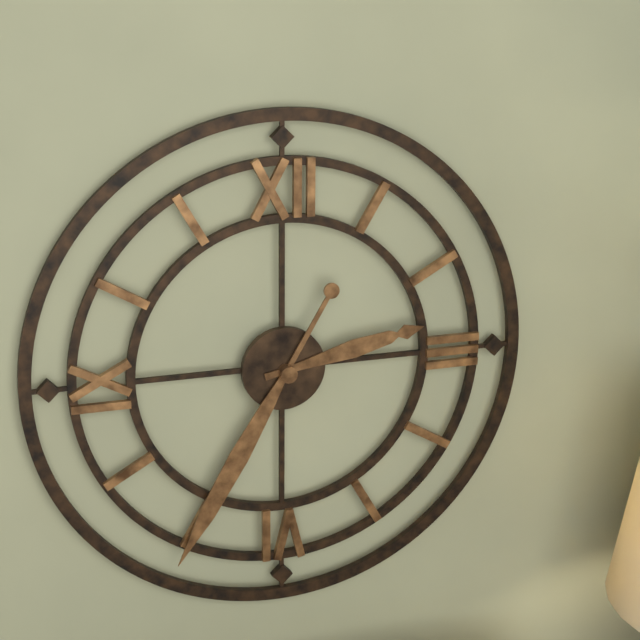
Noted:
2,35
